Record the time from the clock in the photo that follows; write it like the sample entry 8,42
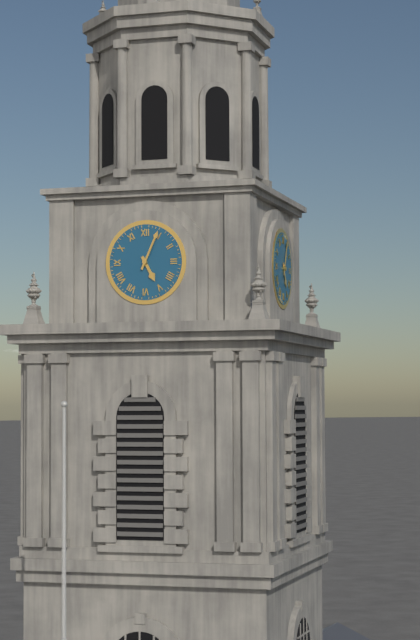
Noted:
5,04
